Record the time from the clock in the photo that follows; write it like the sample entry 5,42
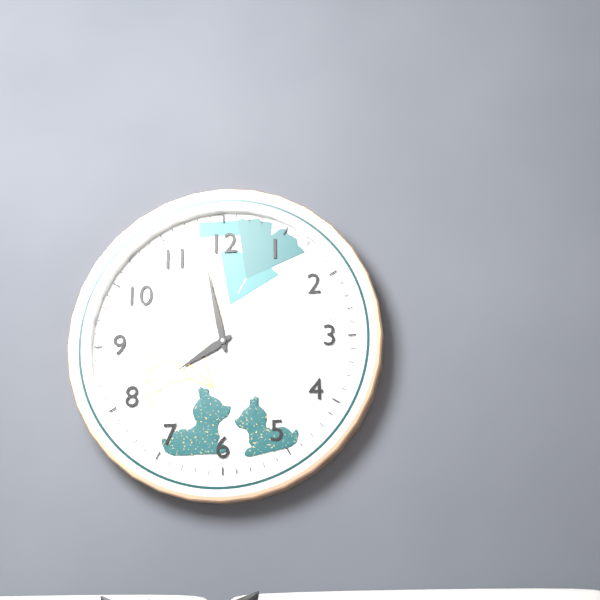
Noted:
7,58
